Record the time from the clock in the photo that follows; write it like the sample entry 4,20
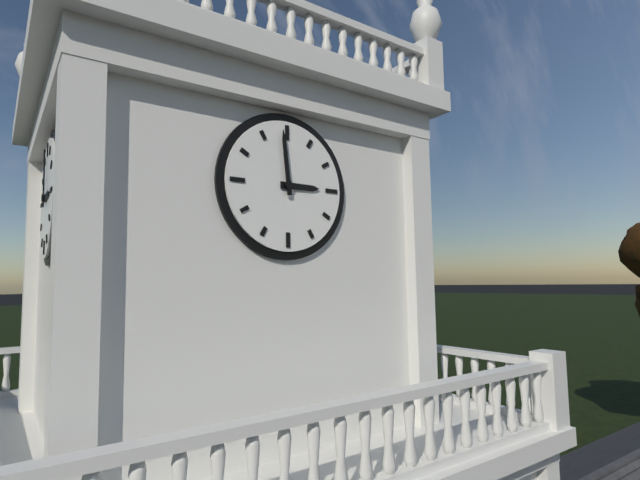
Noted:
2,59
